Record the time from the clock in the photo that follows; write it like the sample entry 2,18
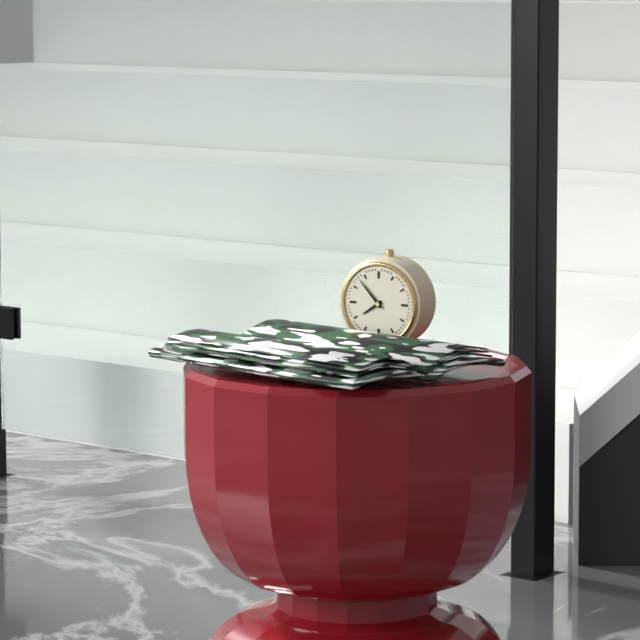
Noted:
7,53
